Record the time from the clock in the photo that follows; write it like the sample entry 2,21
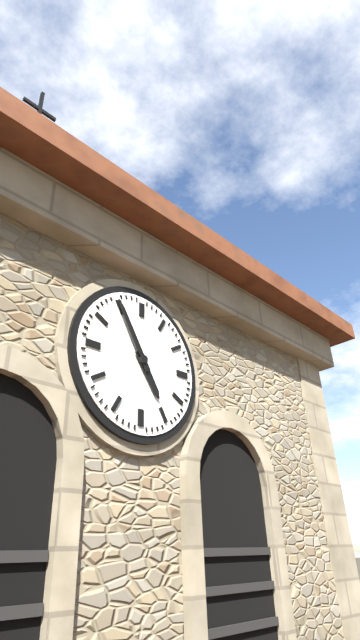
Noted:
4,55
